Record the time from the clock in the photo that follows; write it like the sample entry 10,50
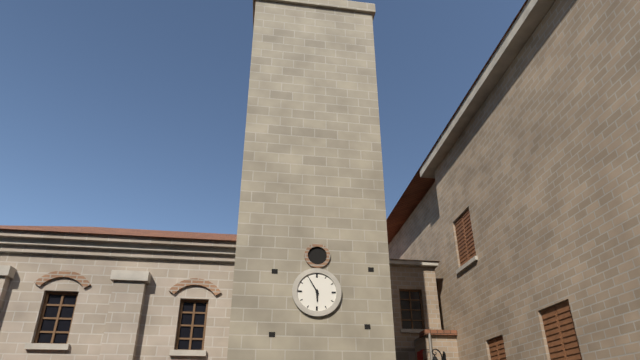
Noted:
5,55
